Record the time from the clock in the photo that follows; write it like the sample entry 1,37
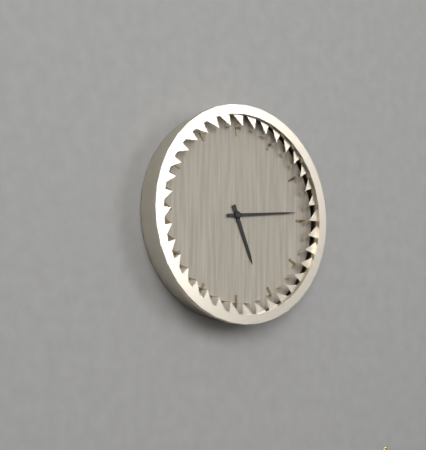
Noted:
5,14
